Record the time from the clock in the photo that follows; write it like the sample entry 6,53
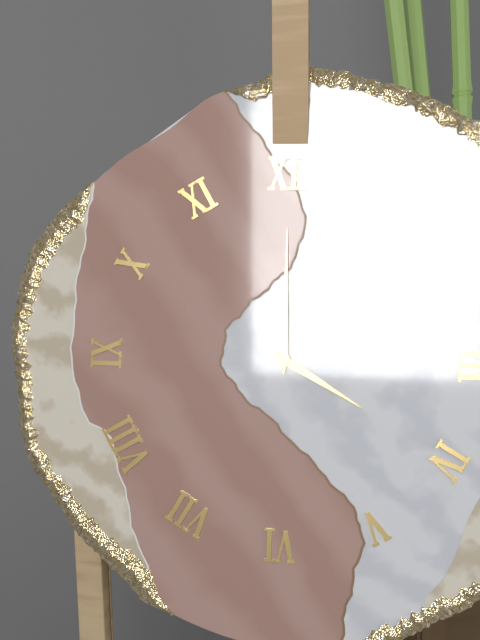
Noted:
4,00
